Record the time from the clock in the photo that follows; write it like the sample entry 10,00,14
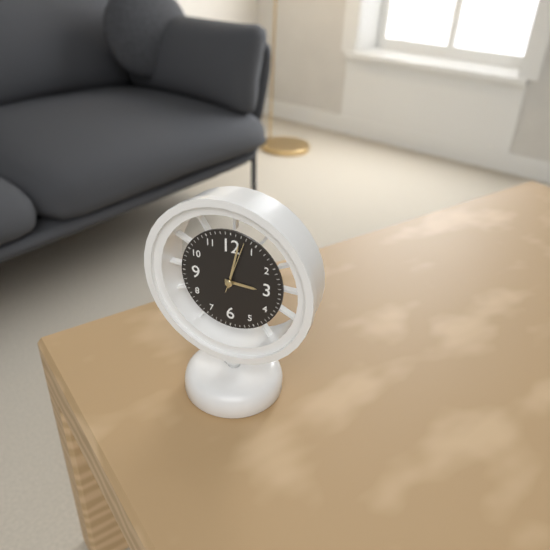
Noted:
3,02,03
